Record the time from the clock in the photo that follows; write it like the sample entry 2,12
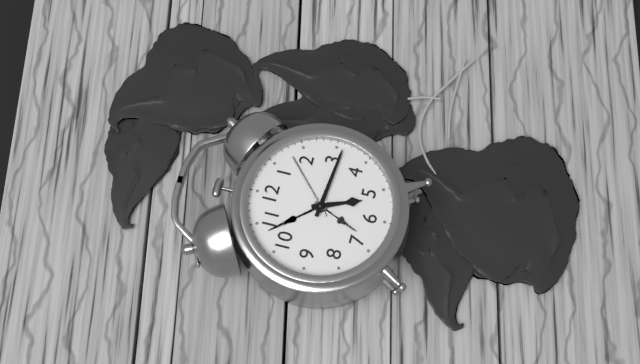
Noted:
5,16
